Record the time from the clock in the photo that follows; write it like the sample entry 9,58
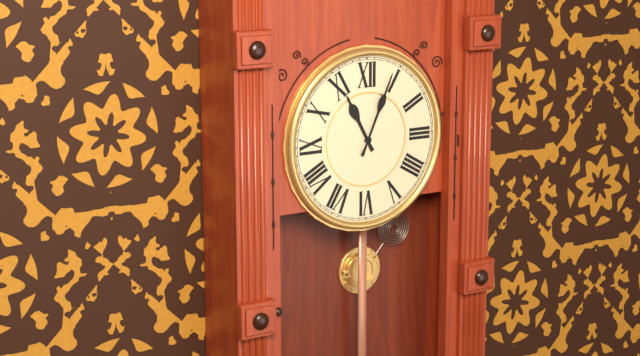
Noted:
11,04
